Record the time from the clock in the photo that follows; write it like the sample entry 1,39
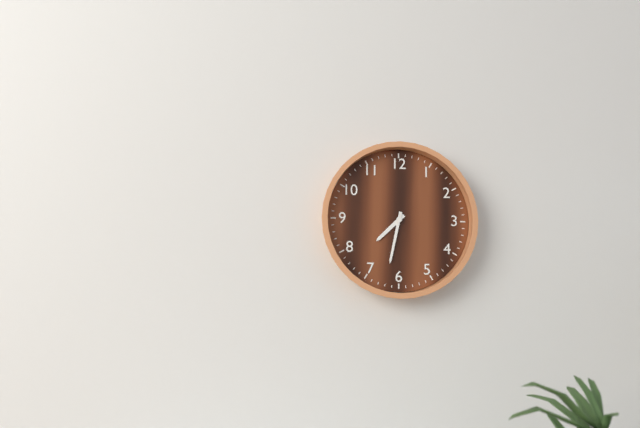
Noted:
7,32
